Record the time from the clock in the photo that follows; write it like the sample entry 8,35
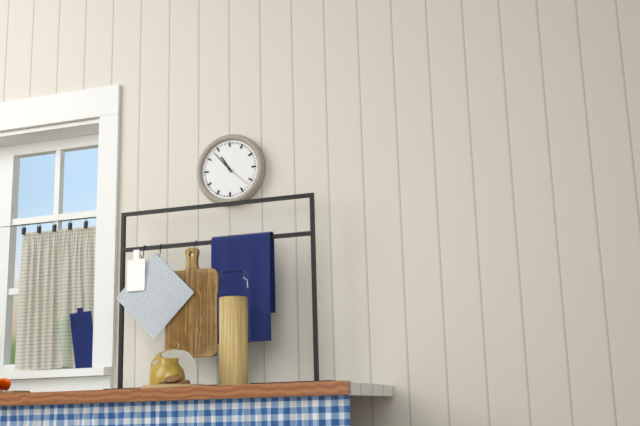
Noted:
10,53
